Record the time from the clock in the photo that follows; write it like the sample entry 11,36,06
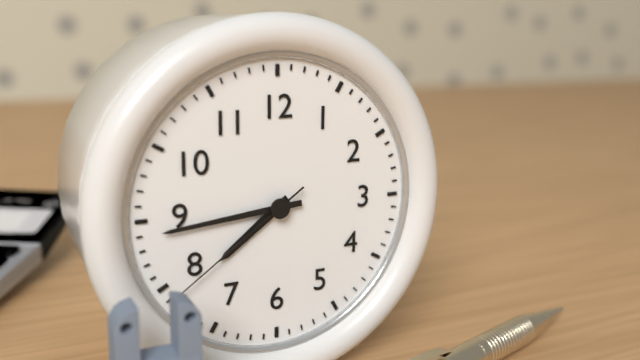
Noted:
7,44,39
